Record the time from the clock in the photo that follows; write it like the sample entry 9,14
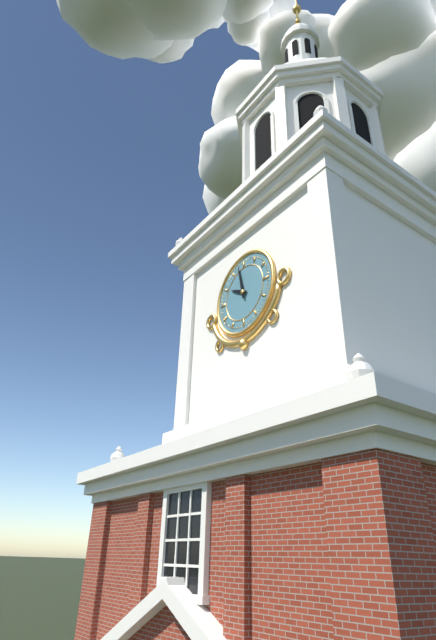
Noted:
9,58
